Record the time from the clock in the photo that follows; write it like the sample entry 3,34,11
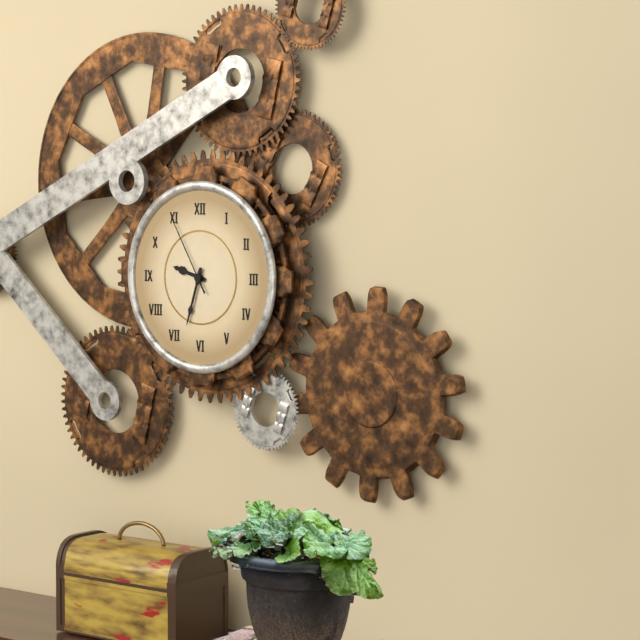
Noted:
9,33,55
